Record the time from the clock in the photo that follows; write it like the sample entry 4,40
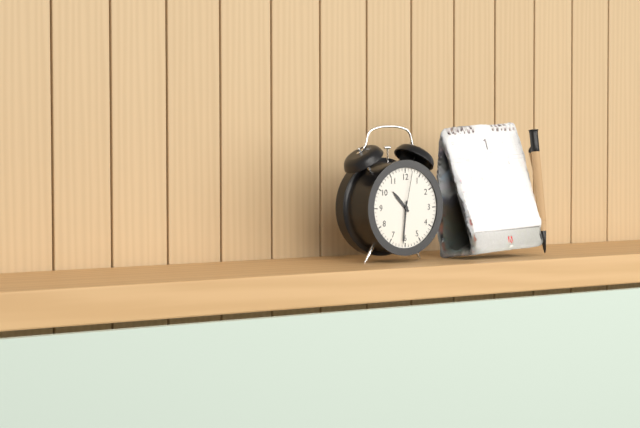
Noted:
10,31
